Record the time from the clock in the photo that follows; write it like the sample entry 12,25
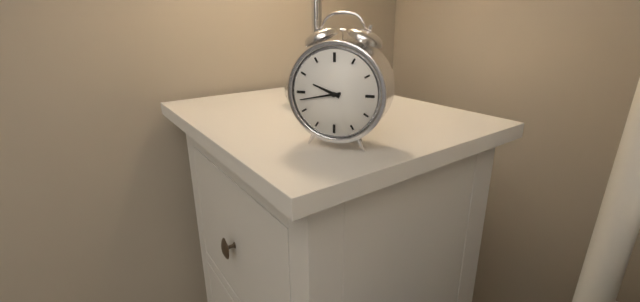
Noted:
9,43
